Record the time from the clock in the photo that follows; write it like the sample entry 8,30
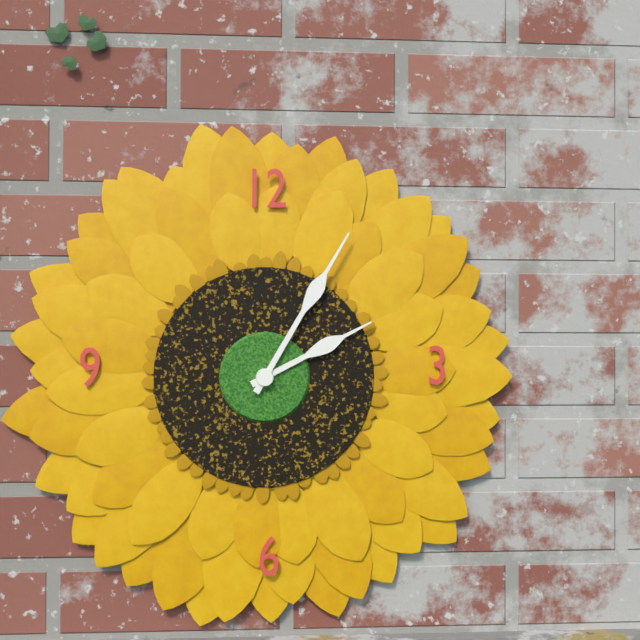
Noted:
2,05
